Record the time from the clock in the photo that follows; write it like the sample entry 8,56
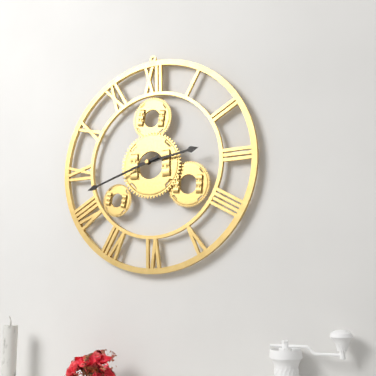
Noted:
2,42
